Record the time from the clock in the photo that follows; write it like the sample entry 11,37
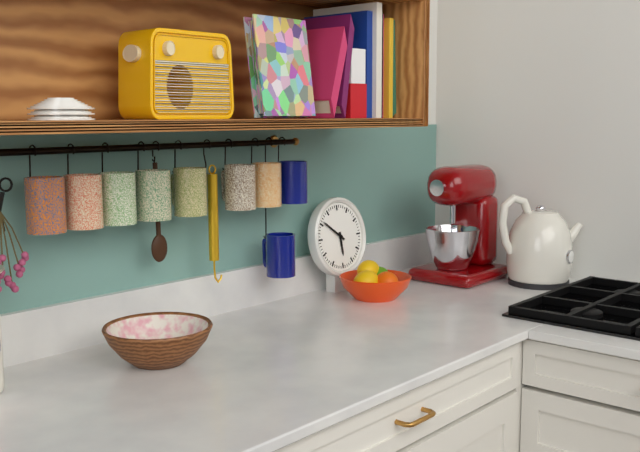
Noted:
5,51
